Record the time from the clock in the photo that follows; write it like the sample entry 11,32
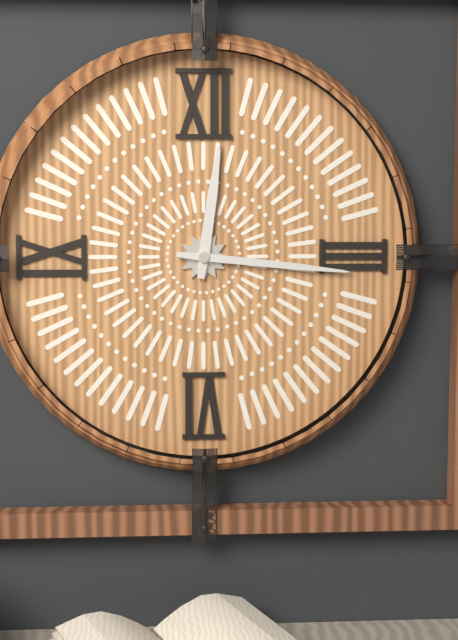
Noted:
12,16
